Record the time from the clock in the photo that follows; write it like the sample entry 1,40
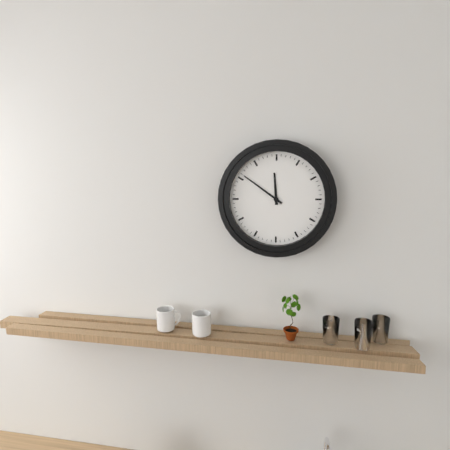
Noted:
11,51
